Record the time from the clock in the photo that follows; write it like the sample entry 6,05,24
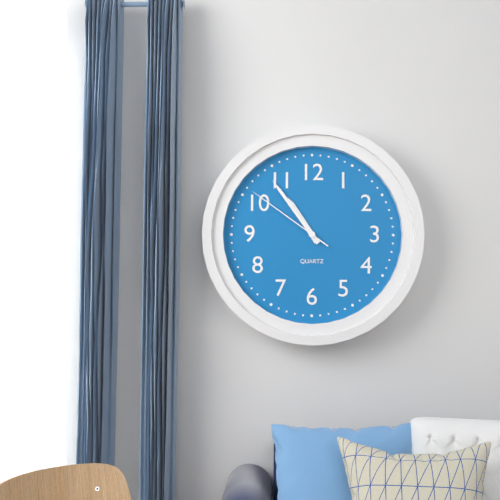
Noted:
10,54,51
